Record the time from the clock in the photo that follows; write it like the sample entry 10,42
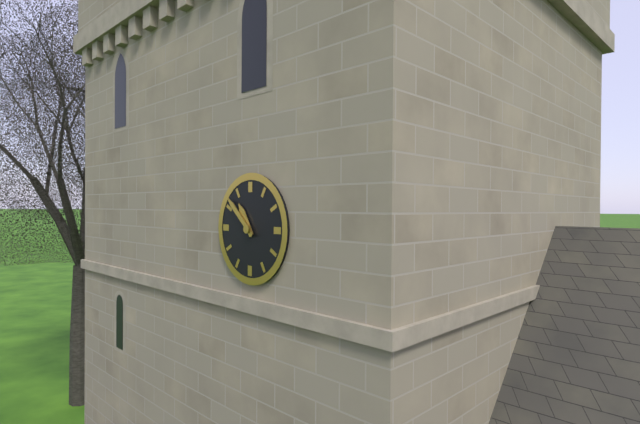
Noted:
10,52
